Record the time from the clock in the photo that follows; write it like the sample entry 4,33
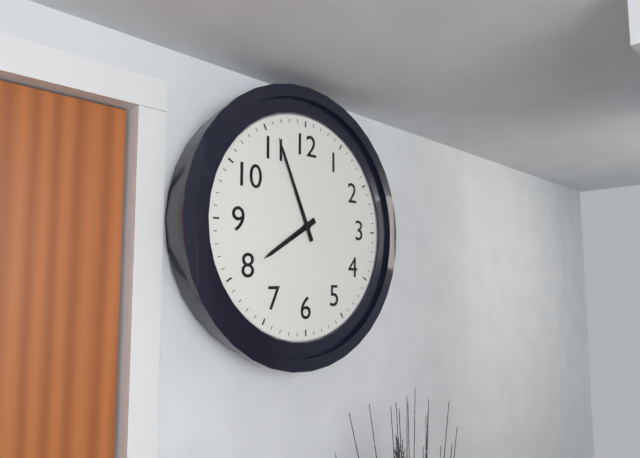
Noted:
7,56
